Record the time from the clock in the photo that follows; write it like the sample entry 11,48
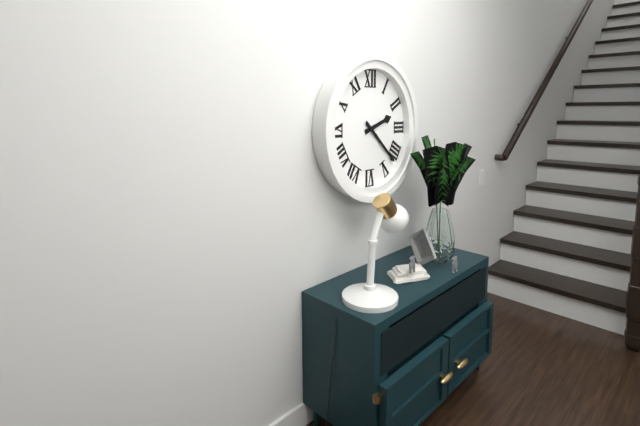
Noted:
2,22
